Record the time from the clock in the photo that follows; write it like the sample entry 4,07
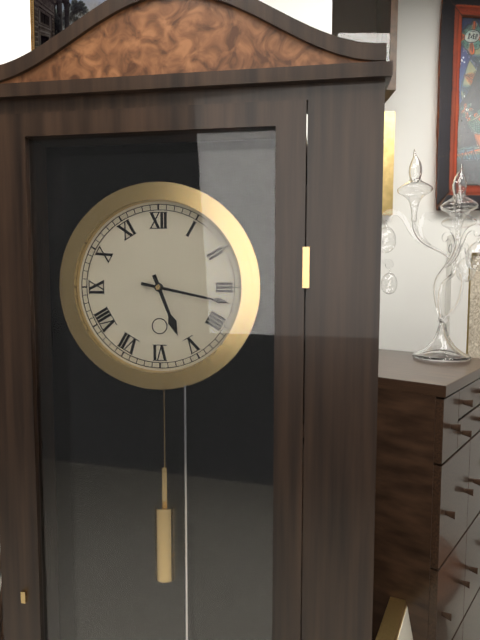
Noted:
5,17
